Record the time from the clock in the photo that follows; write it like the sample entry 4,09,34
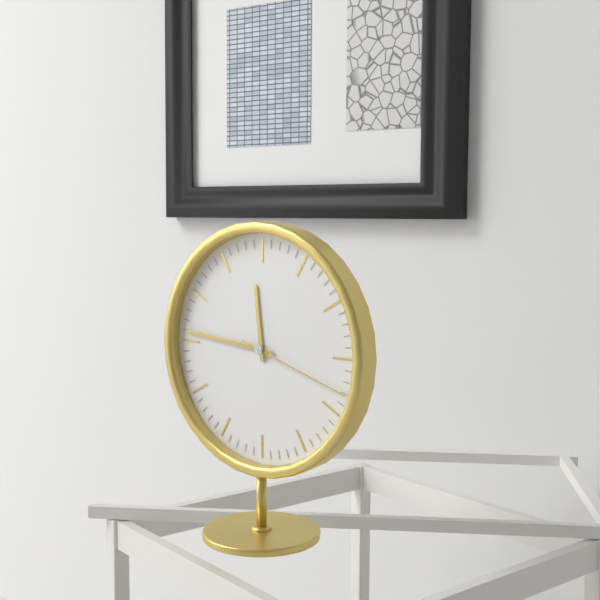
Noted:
11,46,18
